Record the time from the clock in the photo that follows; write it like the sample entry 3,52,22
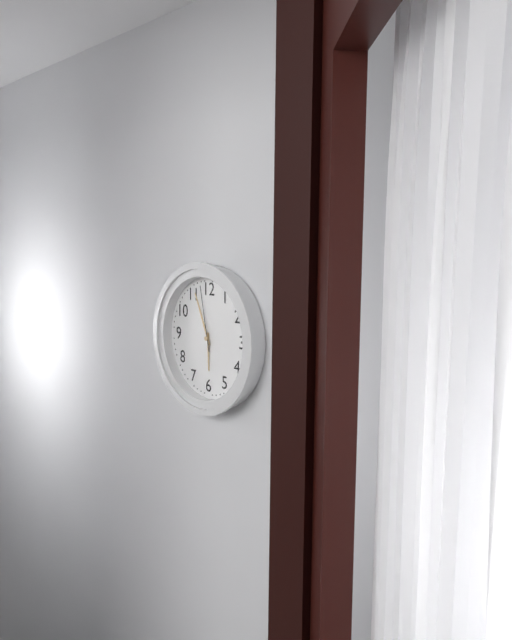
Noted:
5,56,58
